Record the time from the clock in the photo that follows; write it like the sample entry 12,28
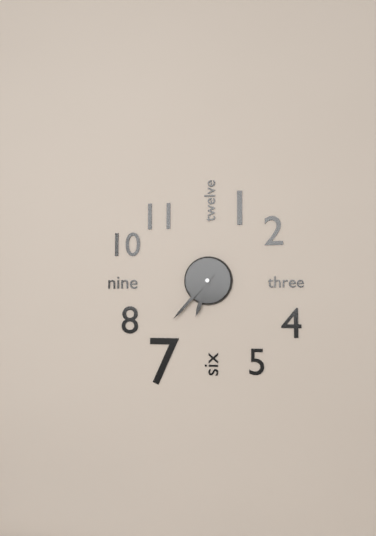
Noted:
6,37
